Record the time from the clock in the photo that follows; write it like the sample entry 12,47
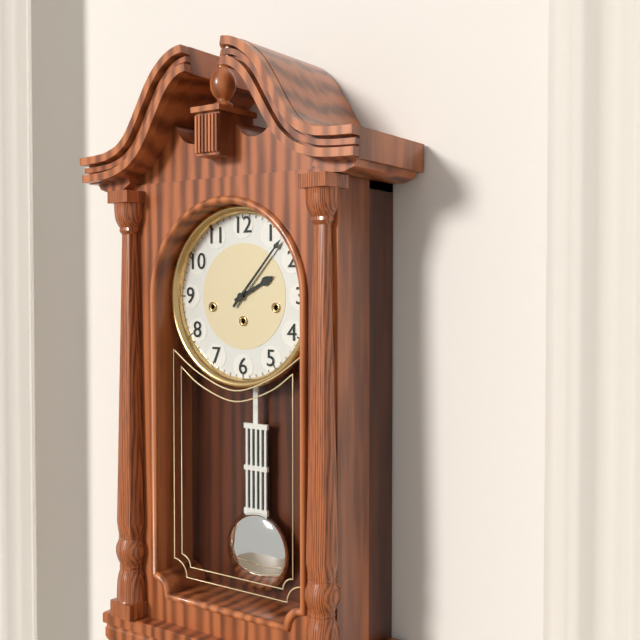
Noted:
2,07
